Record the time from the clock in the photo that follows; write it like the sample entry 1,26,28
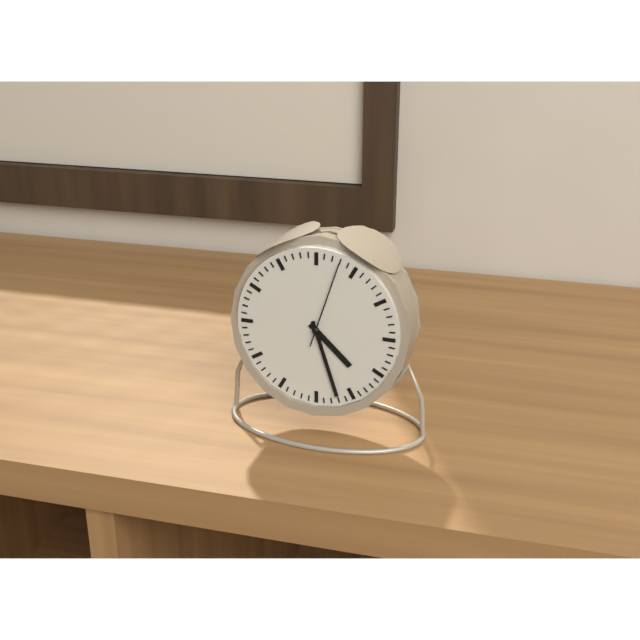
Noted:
4,27,03
